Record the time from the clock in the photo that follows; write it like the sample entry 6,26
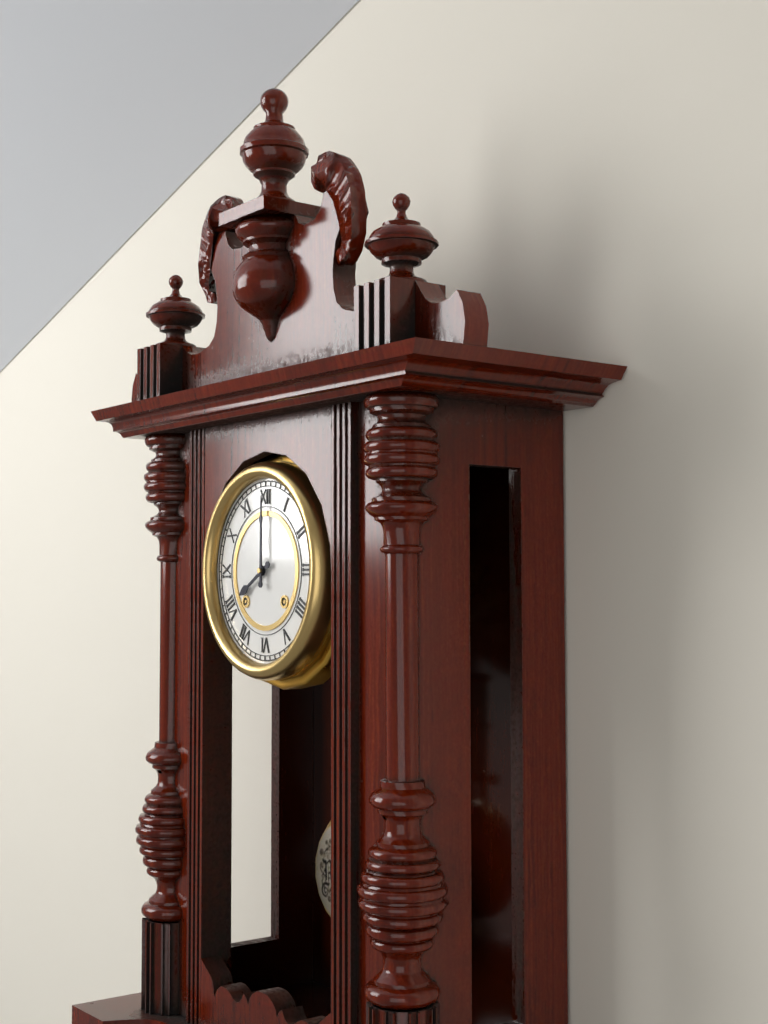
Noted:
8,00
